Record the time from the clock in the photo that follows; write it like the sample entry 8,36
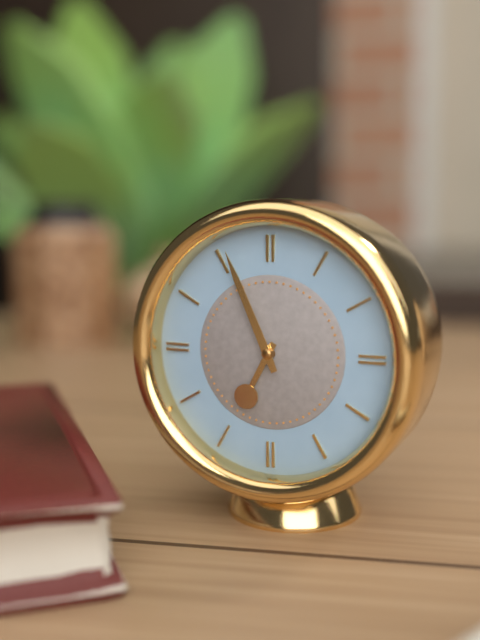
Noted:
6,56
